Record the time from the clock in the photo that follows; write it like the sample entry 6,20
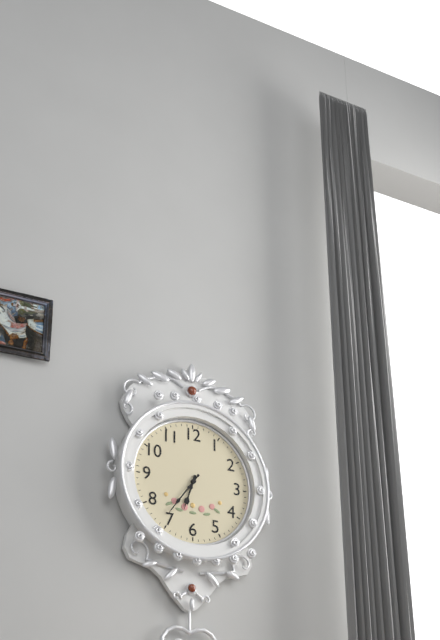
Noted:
6,36
